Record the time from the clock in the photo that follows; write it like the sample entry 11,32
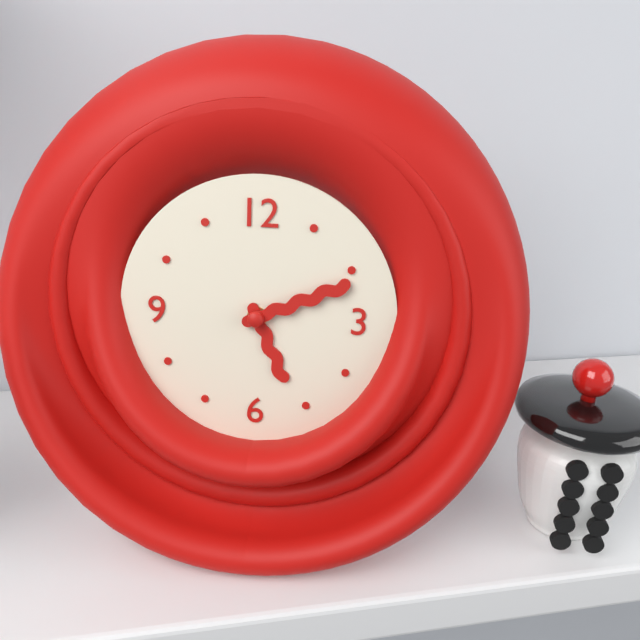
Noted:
5,11
